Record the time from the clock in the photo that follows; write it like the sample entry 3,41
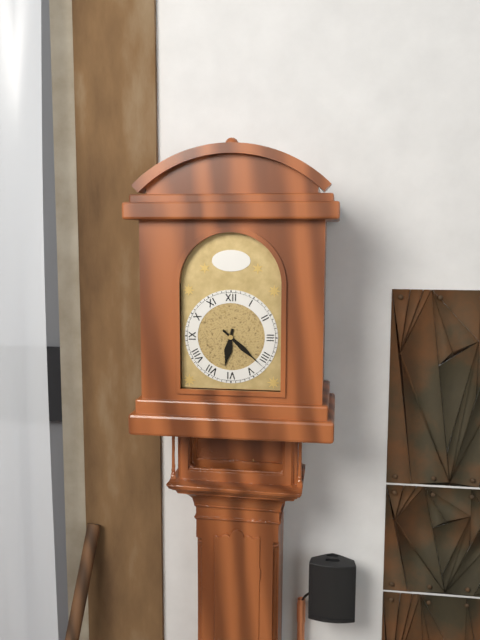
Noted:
6,22
